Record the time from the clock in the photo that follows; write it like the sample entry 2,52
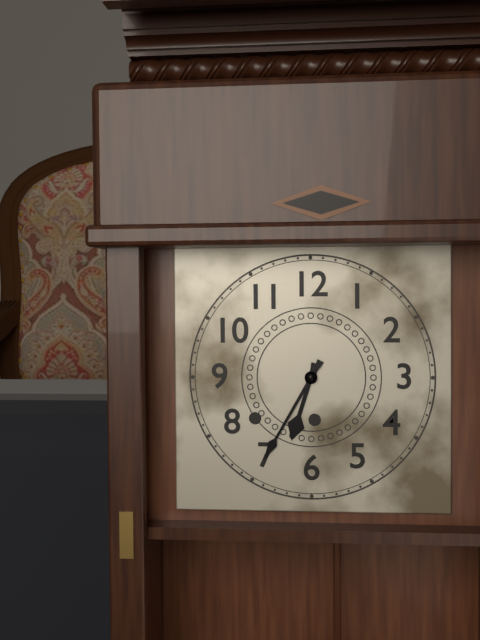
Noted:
6,35
